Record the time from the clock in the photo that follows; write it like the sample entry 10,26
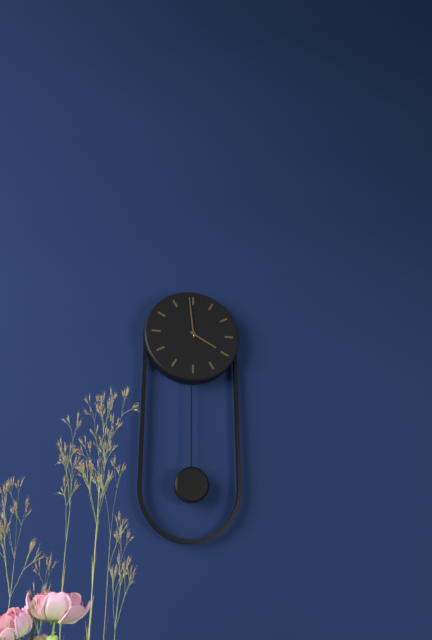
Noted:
3,59
